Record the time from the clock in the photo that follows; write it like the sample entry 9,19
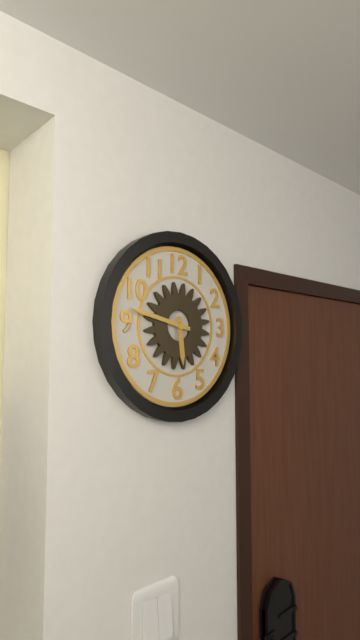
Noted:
5,47
